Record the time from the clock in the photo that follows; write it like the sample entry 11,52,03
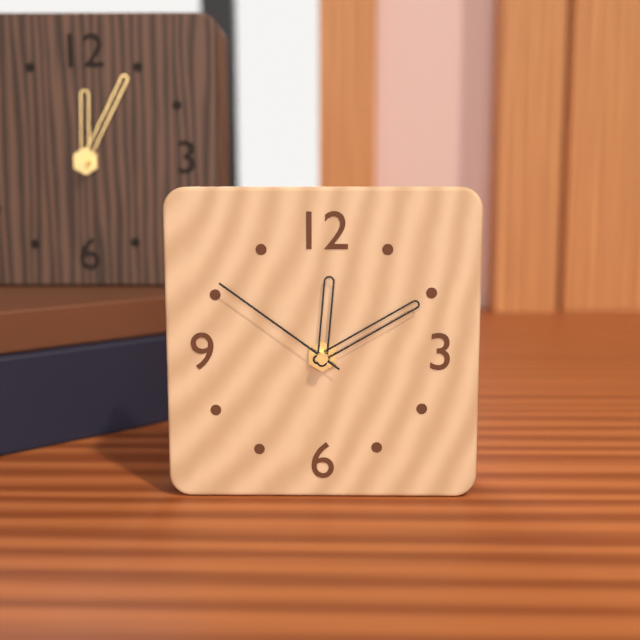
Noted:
12,10,51
